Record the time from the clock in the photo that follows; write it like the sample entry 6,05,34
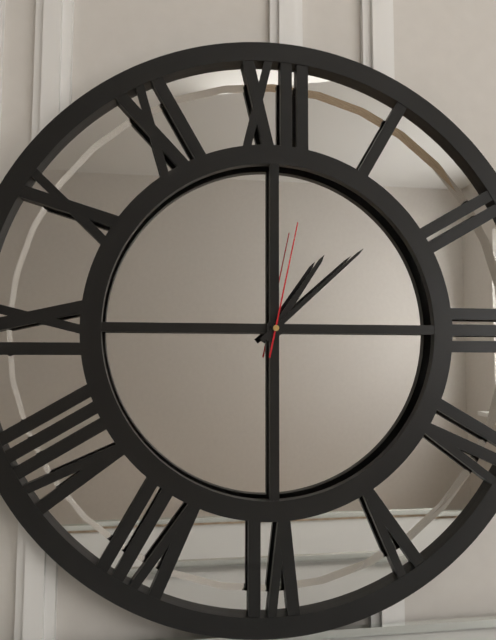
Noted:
1,08,02
